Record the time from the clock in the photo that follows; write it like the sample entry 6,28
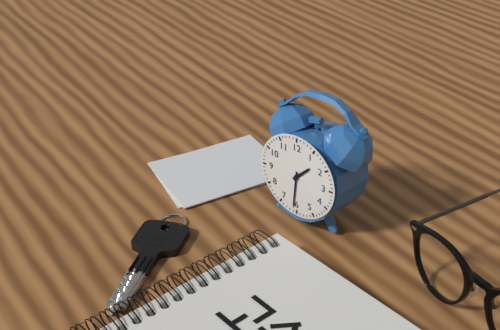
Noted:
1,31
